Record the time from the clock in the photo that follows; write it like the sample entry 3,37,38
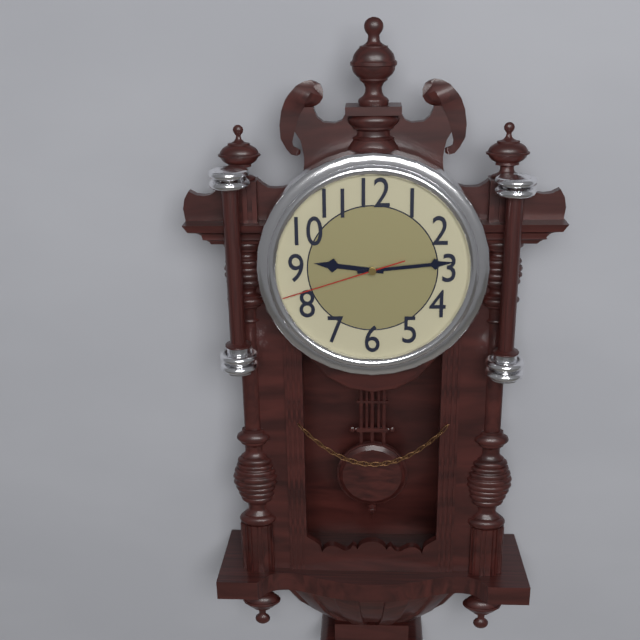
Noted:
9,14,42
